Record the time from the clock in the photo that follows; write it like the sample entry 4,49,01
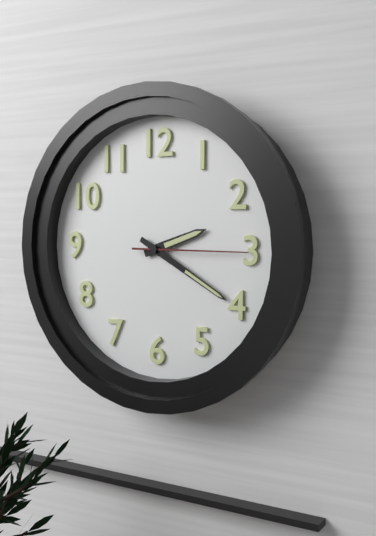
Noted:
2,20,15
